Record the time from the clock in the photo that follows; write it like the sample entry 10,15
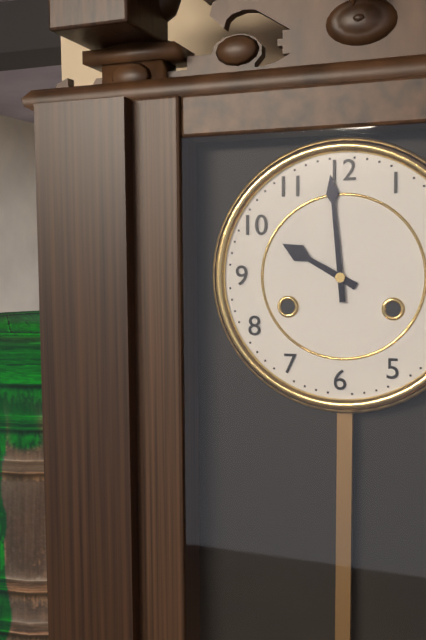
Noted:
9,59
